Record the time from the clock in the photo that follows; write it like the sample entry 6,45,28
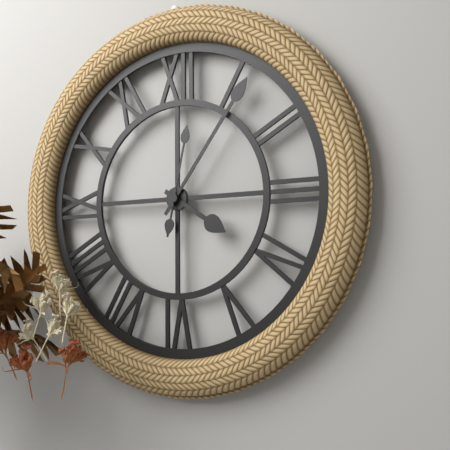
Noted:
4,06,02
